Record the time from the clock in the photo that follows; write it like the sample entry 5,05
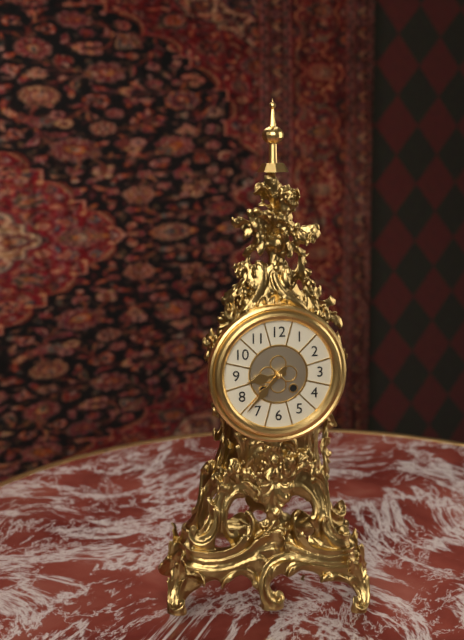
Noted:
8,37
